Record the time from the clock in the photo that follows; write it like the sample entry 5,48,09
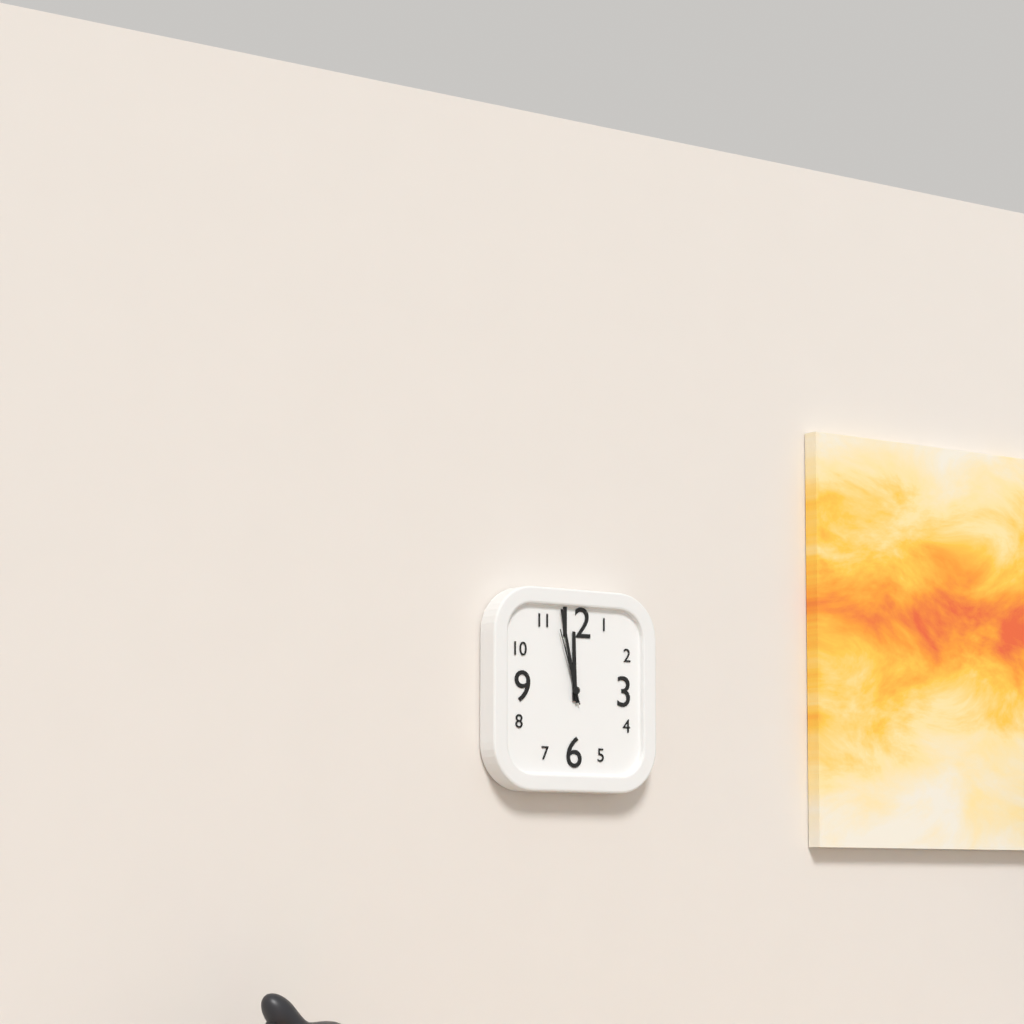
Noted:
11,58,57
